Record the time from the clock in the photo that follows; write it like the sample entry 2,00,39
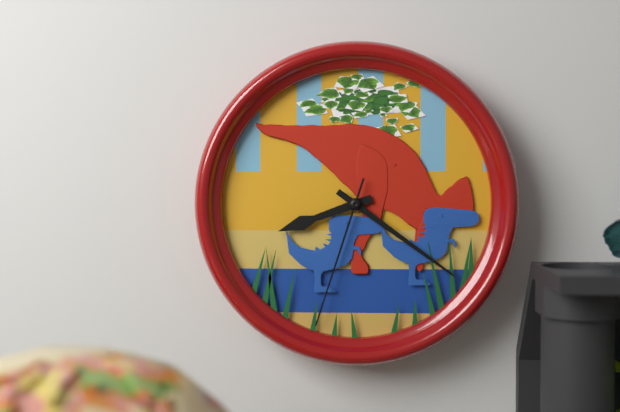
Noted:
8,21,33
